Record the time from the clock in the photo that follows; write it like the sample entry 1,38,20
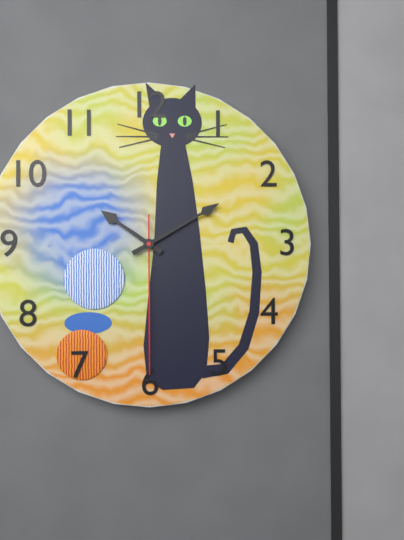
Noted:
10,10,30
